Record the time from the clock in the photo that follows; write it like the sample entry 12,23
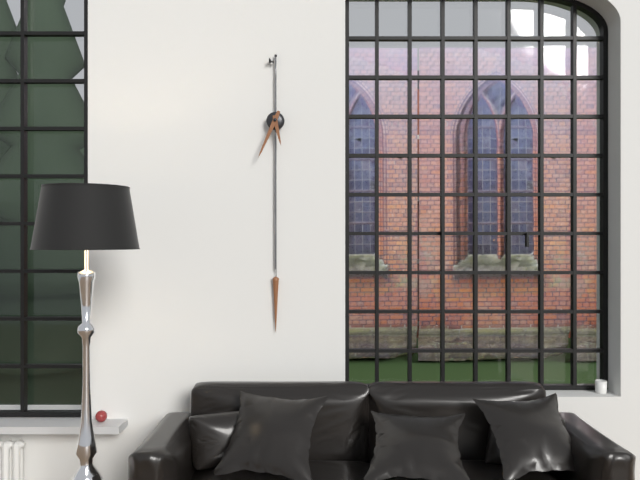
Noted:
5,34
